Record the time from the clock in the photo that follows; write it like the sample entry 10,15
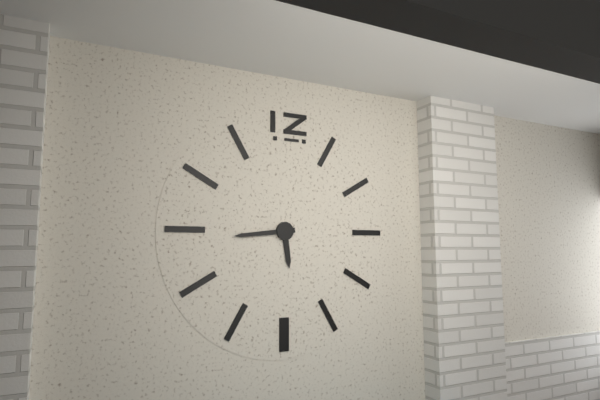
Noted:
5,44
